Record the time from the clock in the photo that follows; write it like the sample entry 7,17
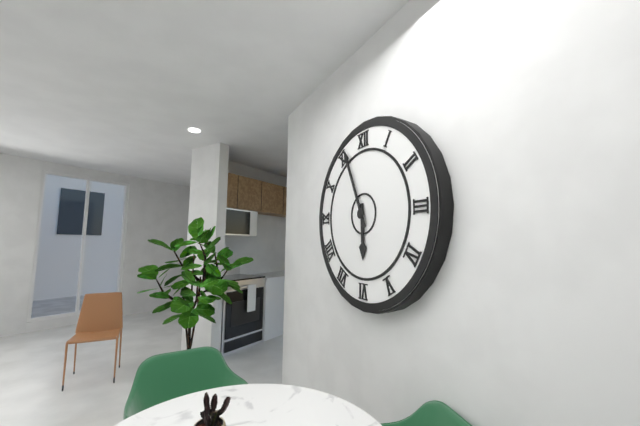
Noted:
5,56
